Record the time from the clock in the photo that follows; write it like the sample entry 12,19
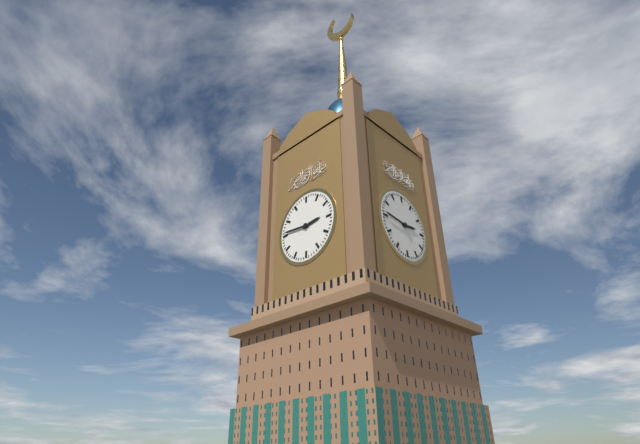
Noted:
2,46
